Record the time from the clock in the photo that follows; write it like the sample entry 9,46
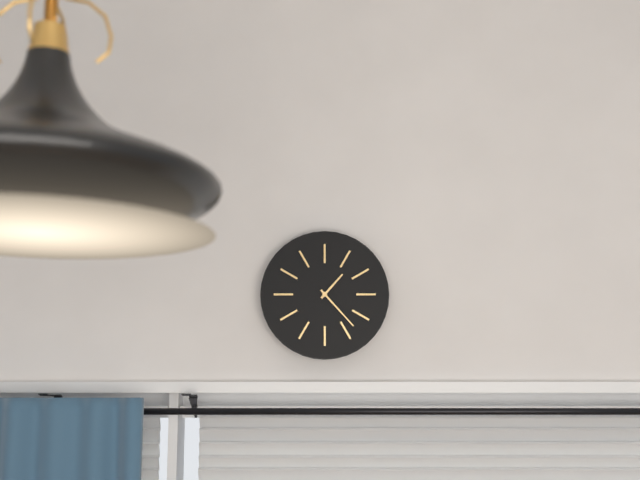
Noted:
1,23
